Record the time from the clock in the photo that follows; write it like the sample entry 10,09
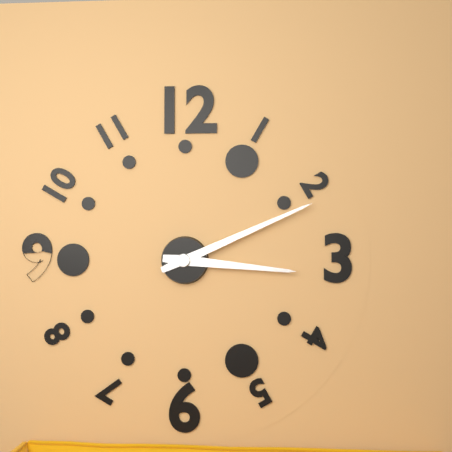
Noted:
3,11
